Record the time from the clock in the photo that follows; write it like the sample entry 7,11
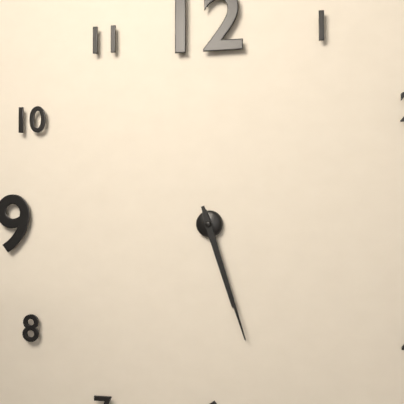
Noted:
5,27
